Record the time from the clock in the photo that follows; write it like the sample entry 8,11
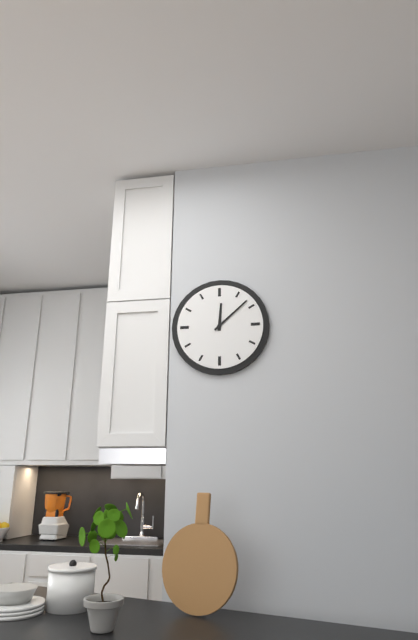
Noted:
12,08
